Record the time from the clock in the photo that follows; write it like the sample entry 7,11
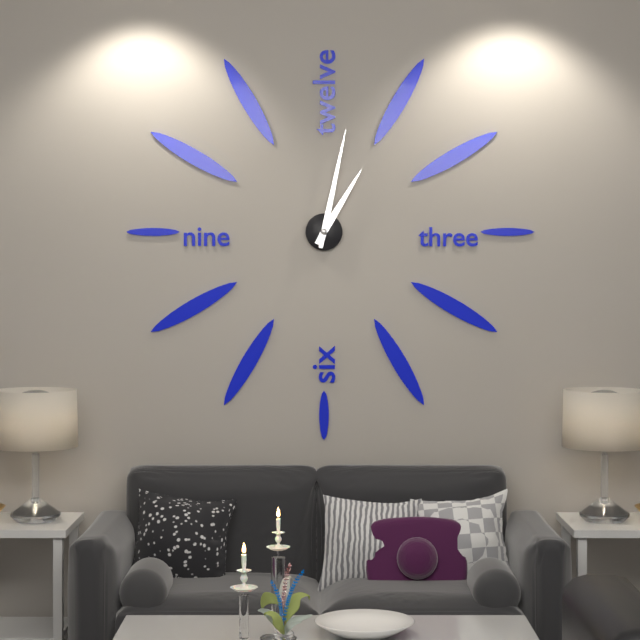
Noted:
1,02
